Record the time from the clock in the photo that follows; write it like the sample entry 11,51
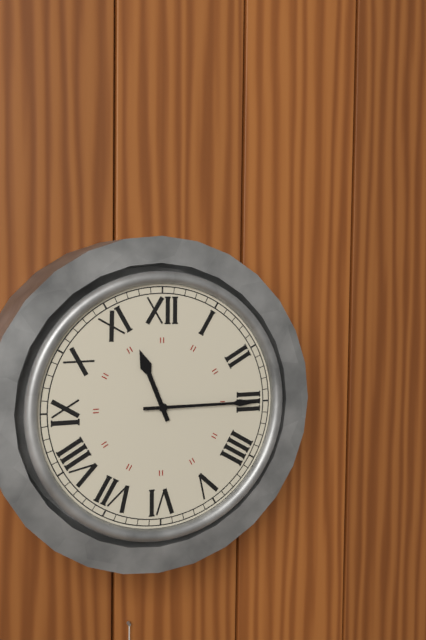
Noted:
11,15
